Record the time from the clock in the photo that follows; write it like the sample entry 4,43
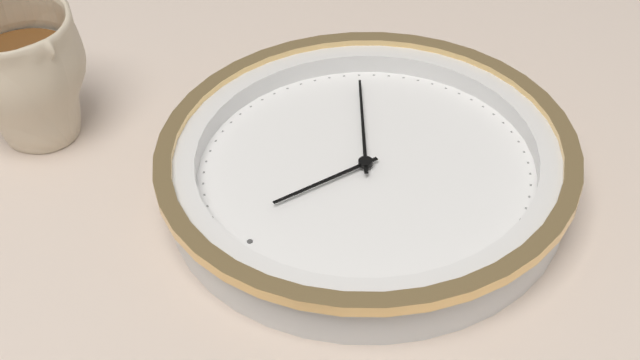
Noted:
12,22
